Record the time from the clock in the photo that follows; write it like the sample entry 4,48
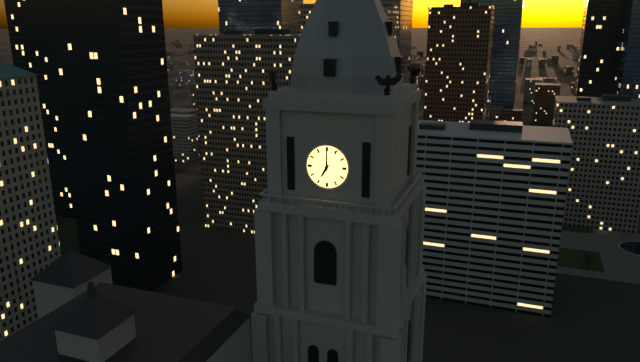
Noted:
7,00
